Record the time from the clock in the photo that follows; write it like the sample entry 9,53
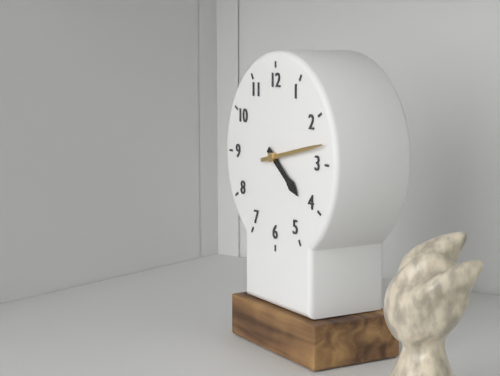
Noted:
4,13
